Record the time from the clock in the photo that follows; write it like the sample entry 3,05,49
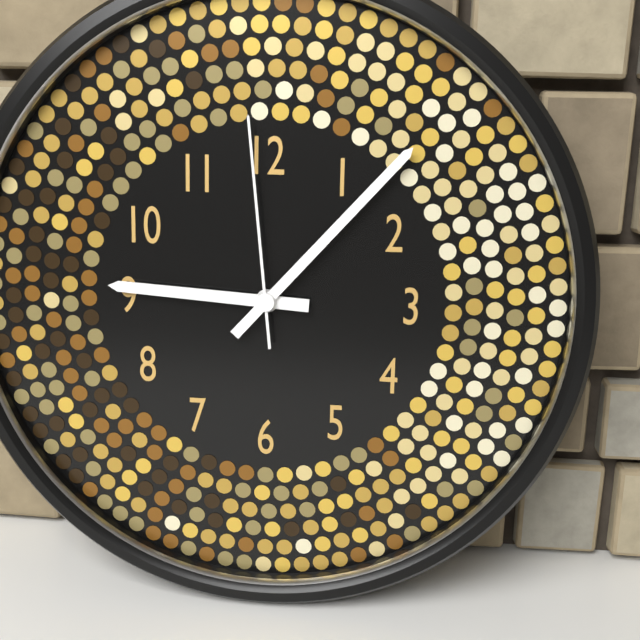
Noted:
9,07,59
